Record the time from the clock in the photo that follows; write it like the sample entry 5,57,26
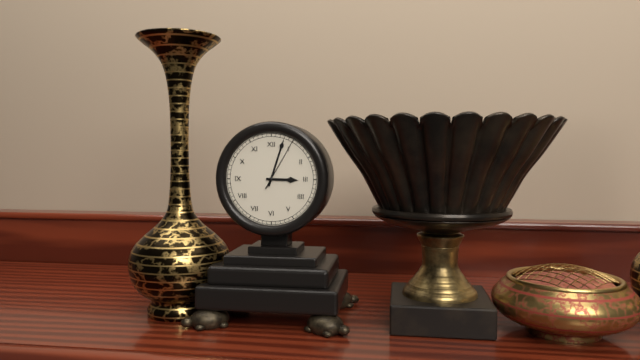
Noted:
3,03,05
